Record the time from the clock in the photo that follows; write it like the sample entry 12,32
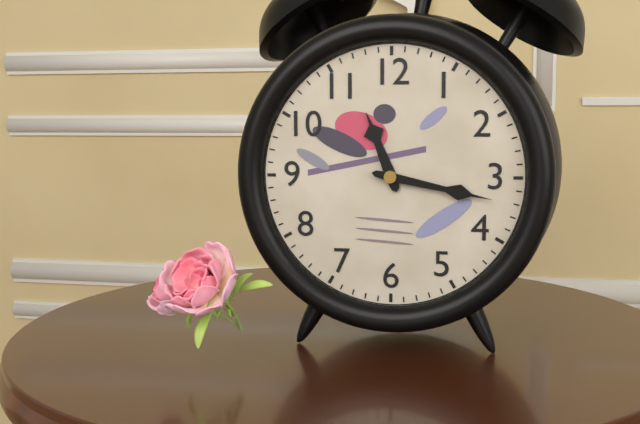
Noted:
11,17
